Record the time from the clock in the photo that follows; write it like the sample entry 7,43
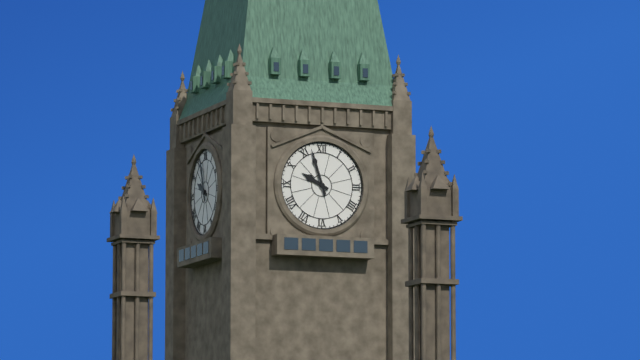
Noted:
9,57
